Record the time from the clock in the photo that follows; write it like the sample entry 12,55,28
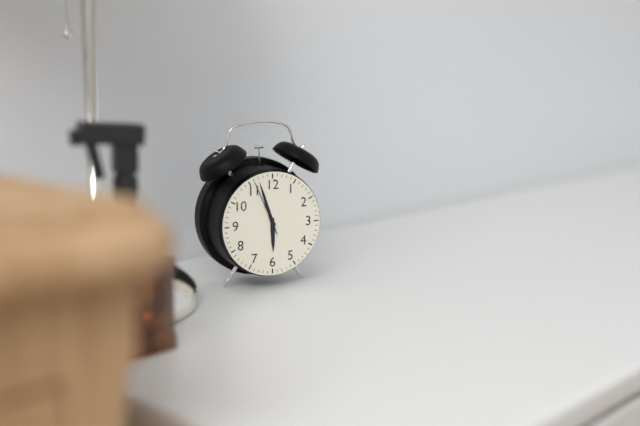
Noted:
5,57,56
